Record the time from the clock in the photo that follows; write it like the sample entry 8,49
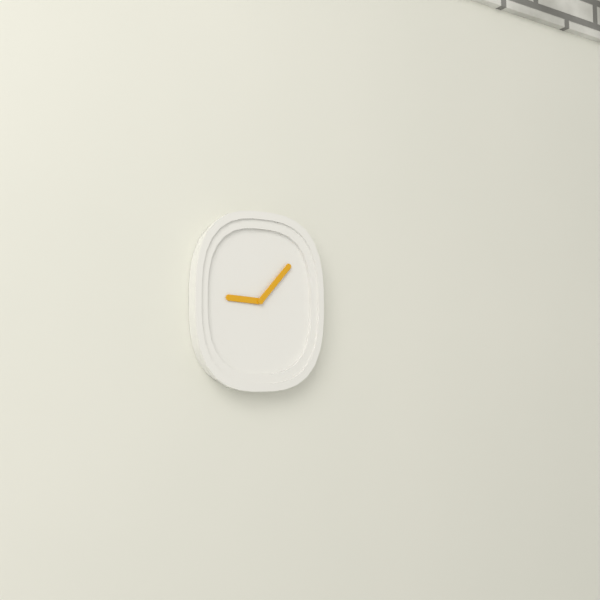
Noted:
9,07
